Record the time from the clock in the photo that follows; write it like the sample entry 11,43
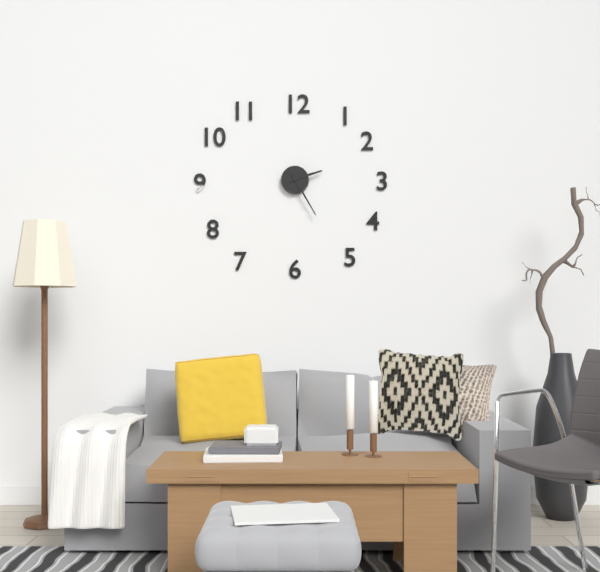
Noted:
2,25
